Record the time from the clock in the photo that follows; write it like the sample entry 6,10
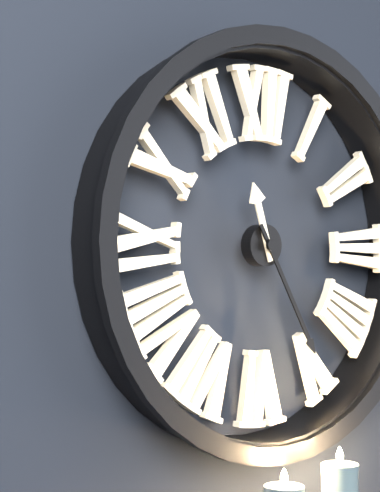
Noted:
11,25
